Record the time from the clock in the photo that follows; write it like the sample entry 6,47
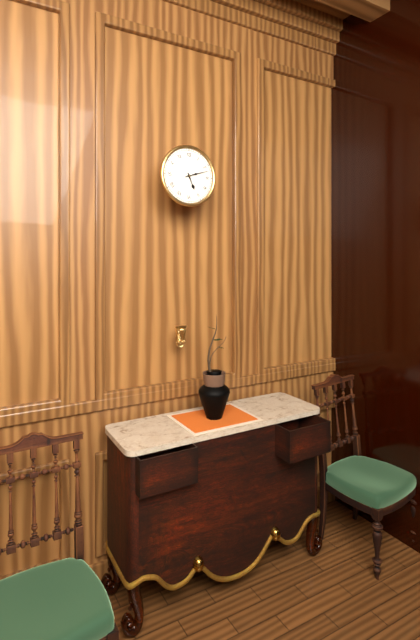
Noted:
5,12
